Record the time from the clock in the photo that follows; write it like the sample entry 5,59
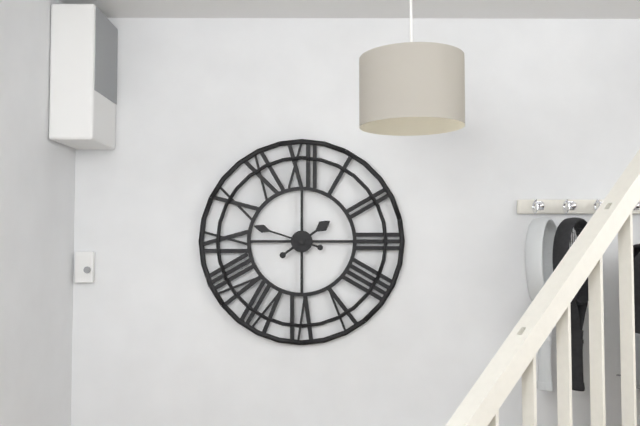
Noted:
1,48
